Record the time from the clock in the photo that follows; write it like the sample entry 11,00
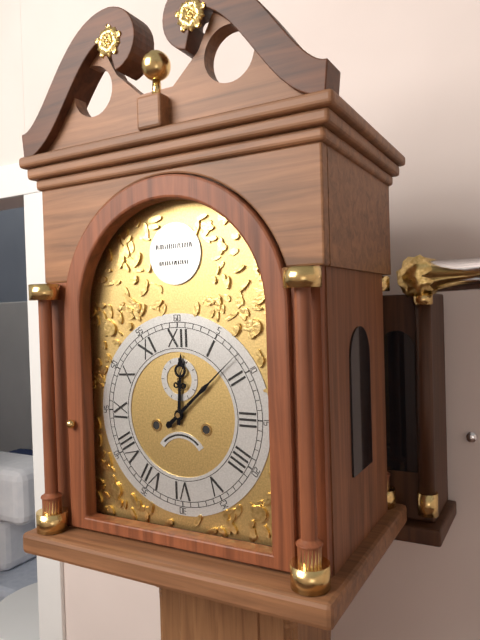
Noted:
12,08
